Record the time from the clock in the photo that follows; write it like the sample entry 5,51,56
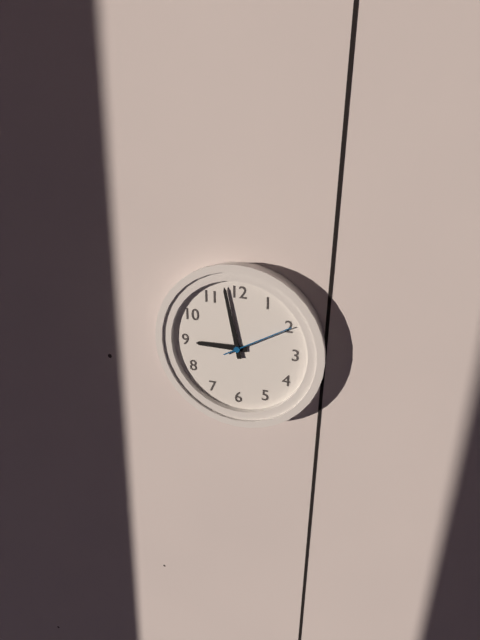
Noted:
8,58,10
